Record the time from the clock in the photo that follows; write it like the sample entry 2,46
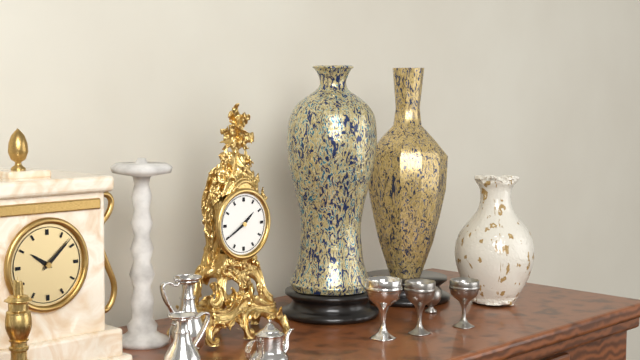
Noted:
1,40
